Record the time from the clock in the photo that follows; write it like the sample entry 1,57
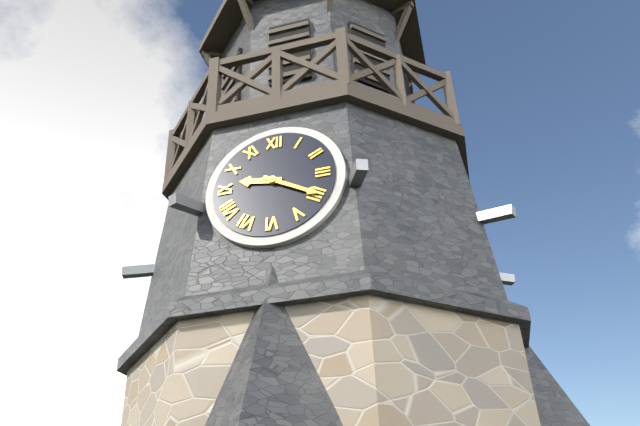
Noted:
9,20
